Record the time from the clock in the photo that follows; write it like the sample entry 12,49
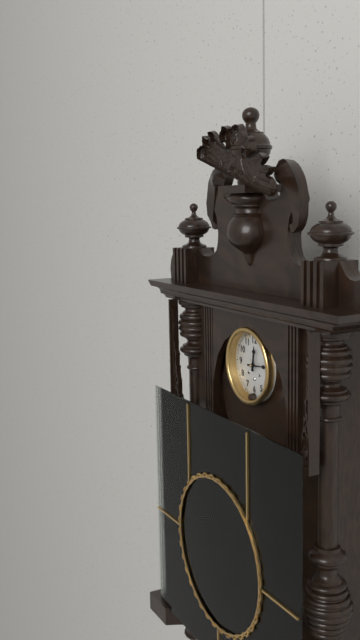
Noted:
12,14
